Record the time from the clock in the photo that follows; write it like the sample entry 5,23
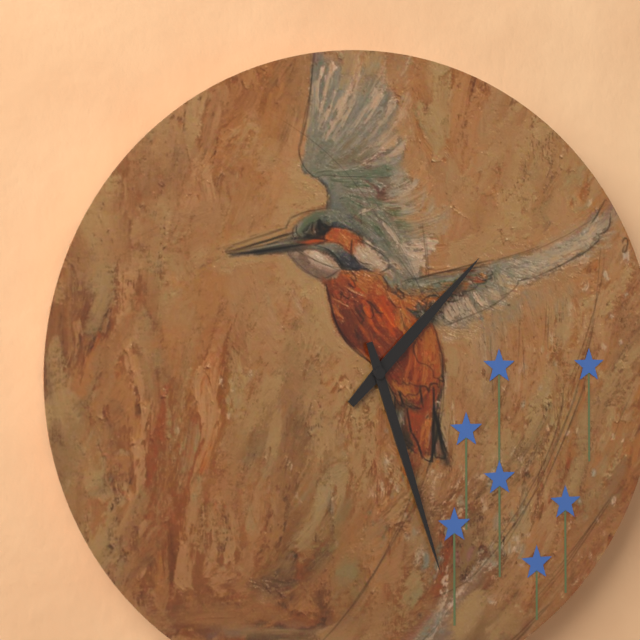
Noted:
1,27
